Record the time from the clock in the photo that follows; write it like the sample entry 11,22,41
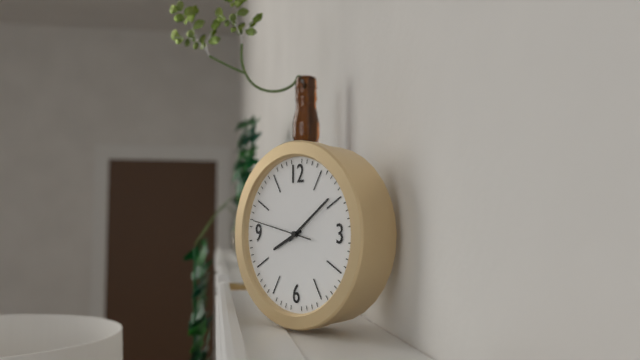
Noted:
8,09,47
